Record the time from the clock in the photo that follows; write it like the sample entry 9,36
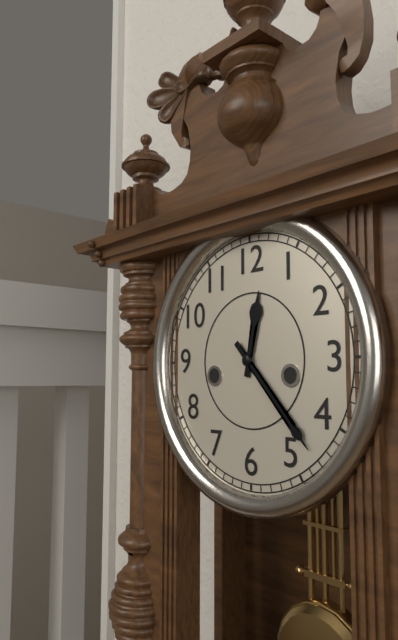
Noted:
12,23
